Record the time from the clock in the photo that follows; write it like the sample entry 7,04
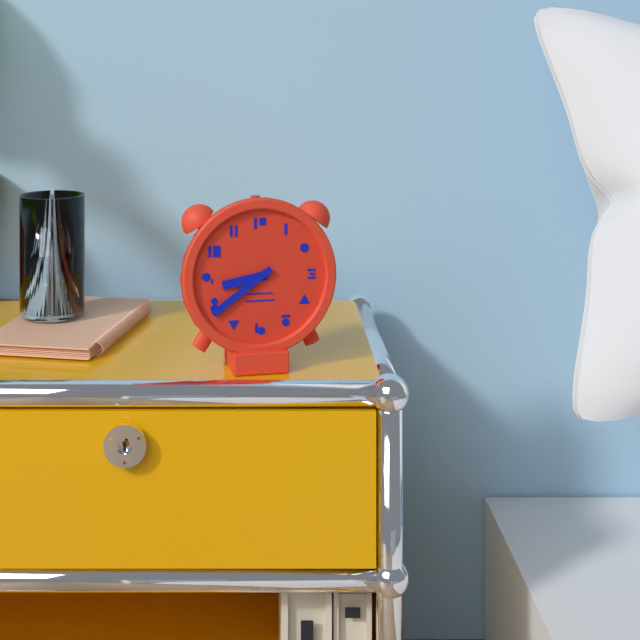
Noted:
8,39
